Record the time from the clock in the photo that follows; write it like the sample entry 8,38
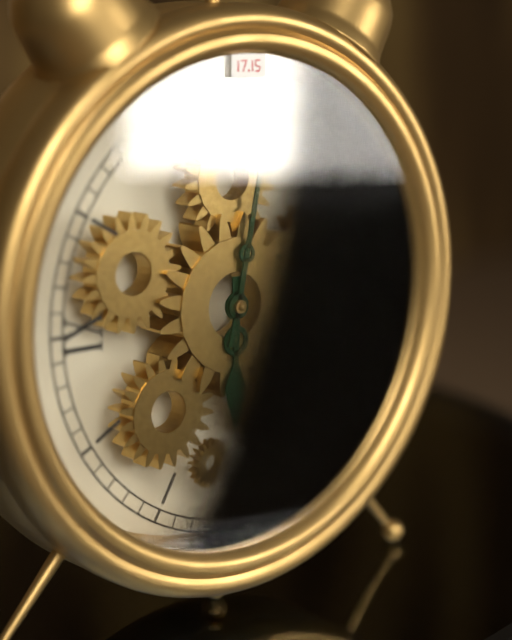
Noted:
6,02
